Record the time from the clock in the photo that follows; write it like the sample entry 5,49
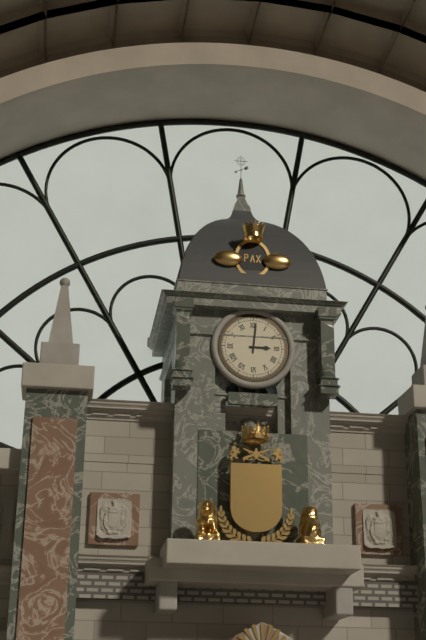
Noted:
3,01
